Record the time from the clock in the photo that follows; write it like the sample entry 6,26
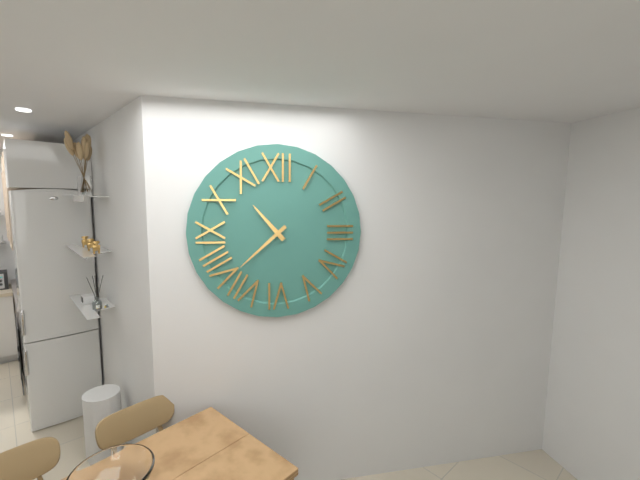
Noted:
10,38
